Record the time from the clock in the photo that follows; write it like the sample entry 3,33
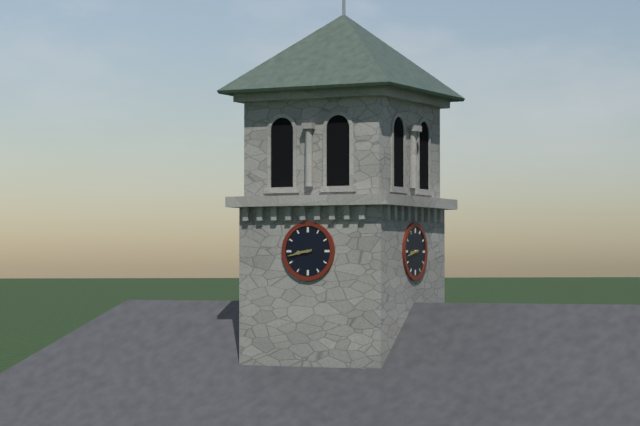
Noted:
8,43
